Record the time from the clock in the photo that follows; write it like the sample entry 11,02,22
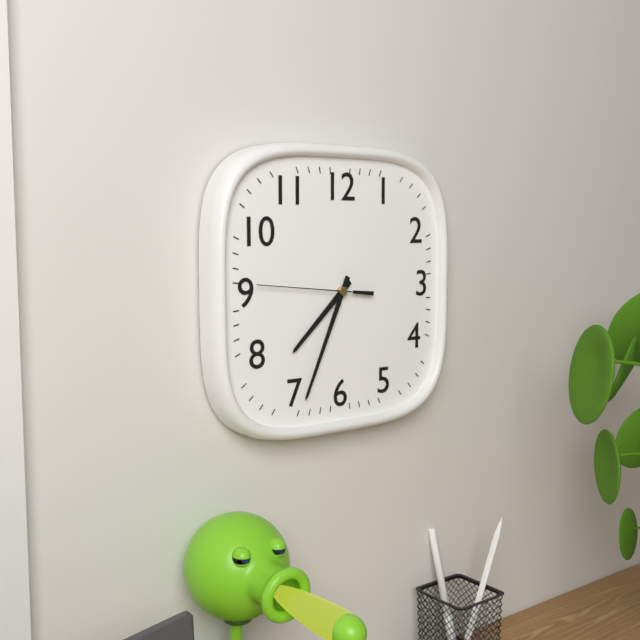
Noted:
7,34,46
